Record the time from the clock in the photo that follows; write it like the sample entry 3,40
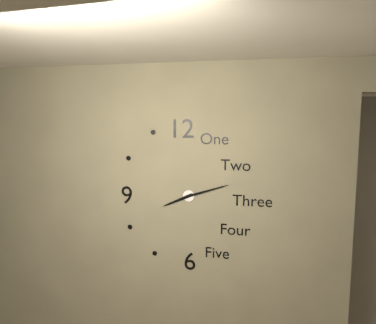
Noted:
8,12
